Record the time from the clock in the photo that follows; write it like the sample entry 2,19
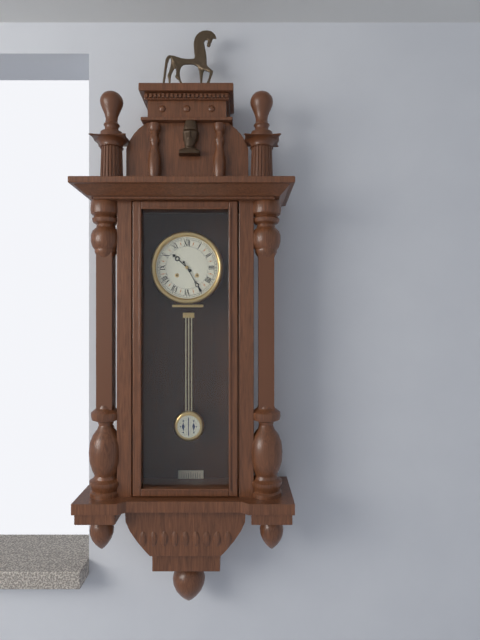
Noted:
10,25
